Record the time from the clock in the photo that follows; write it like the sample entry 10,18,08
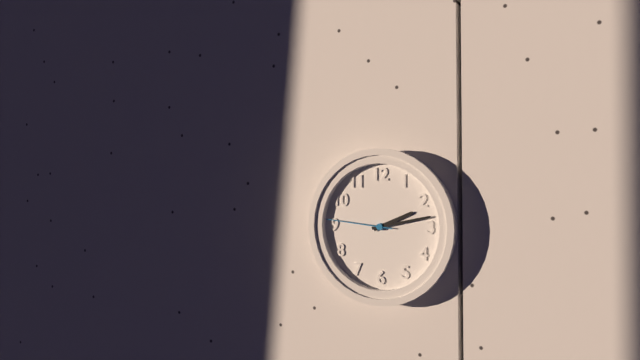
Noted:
2,13,46
